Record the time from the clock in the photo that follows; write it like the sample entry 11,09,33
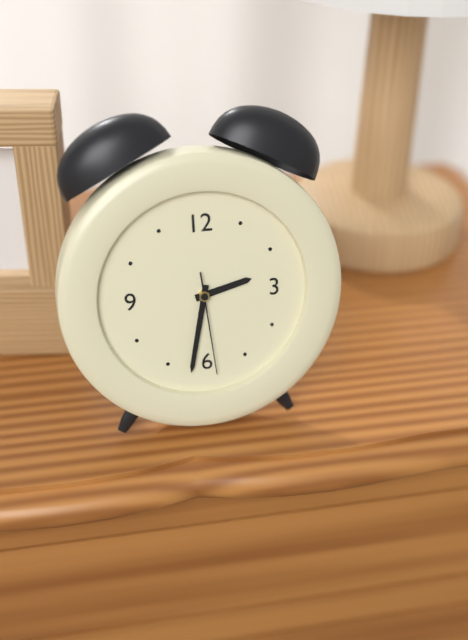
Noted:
2,32,29
